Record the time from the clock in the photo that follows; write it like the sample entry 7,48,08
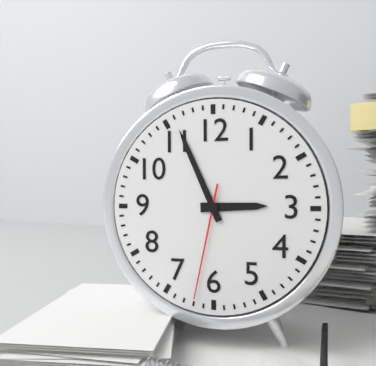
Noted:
2,56,32
